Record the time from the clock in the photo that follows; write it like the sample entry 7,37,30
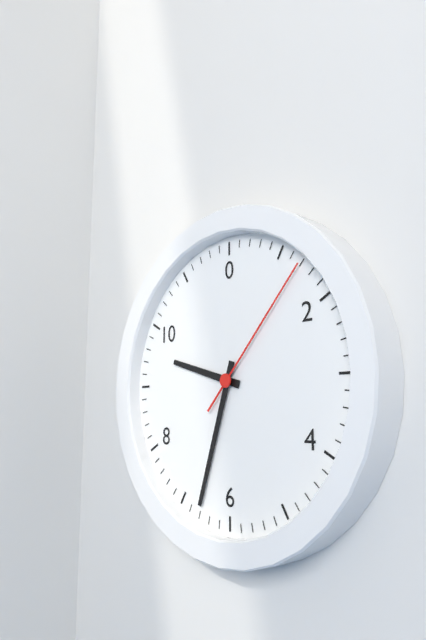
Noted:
9,33,07
